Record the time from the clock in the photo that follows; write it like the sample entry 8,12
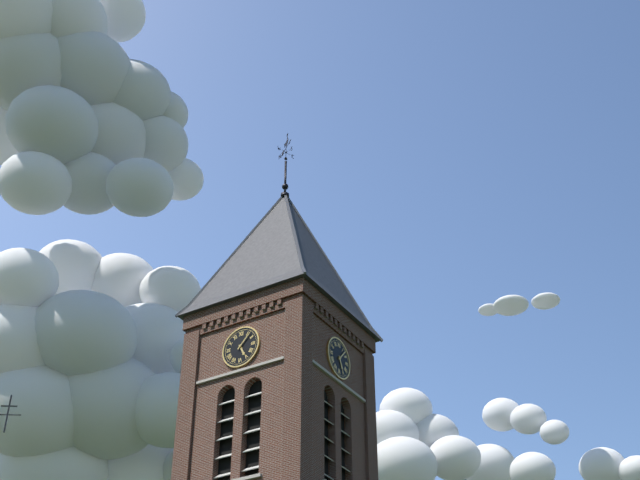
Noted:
5,07
